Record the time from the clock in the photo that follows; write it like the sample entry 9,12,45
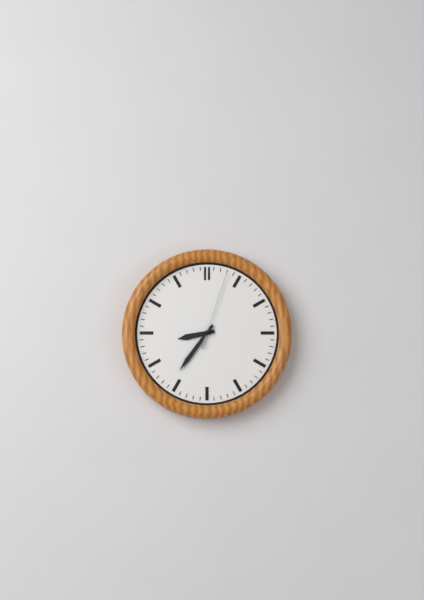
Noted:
8,36,03
